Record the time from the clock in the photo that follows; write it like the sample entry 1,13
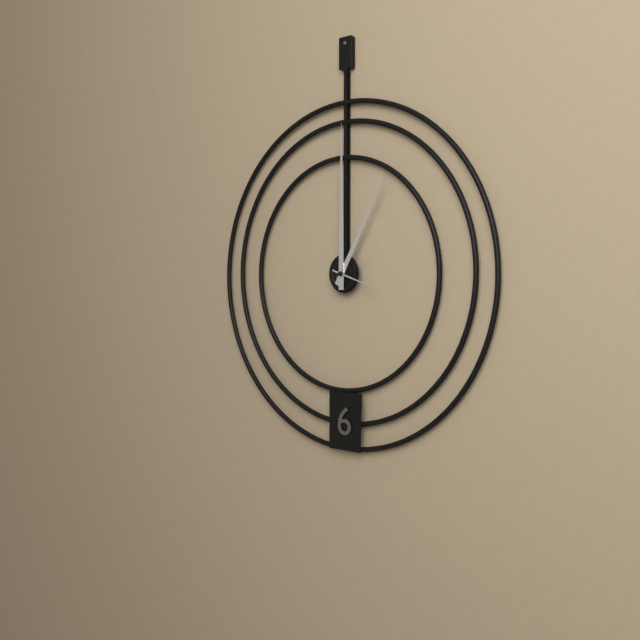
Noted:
1,00
